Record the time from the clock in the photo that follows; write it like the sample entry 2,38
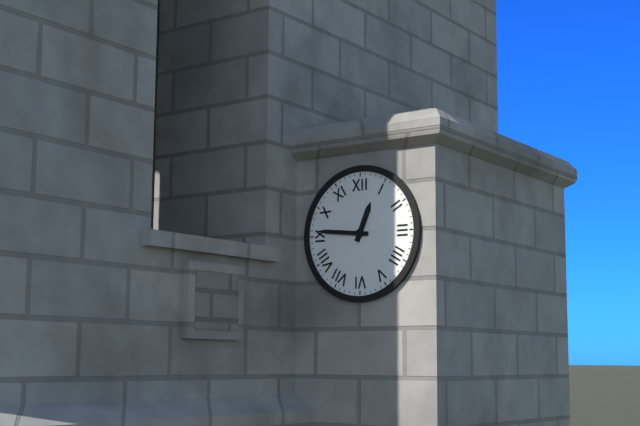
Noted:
12,46
